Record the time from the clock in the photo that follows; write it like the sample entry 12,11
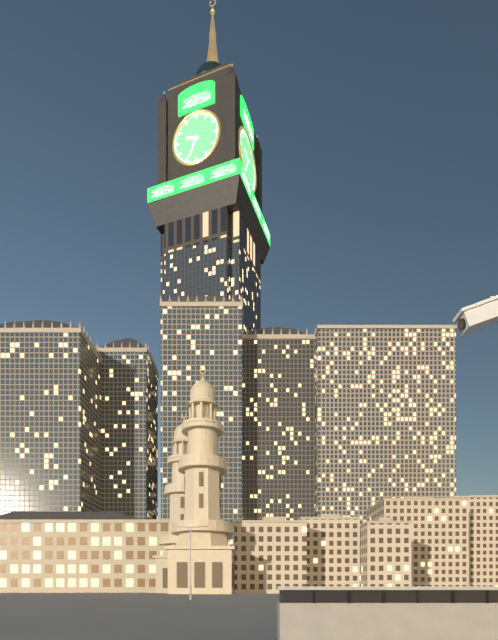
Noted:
9,34
